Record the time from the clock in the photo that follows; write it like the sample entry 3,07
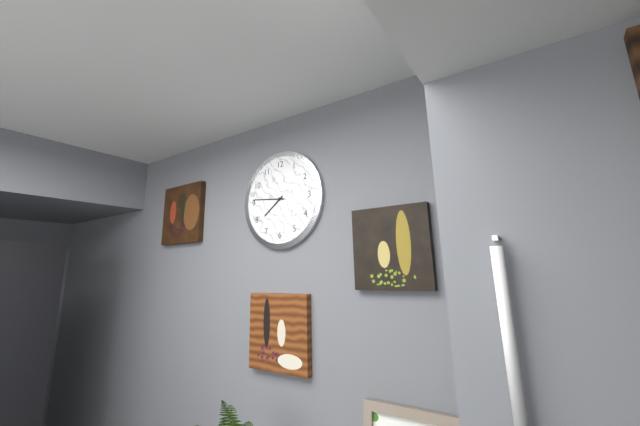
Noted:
7,46
